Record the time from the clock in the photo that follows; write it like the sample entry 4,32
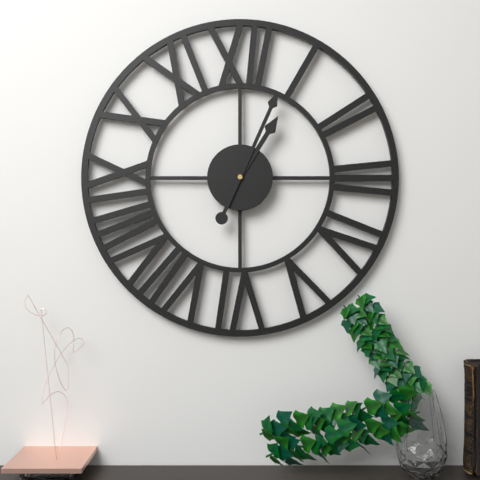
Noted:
1,04
